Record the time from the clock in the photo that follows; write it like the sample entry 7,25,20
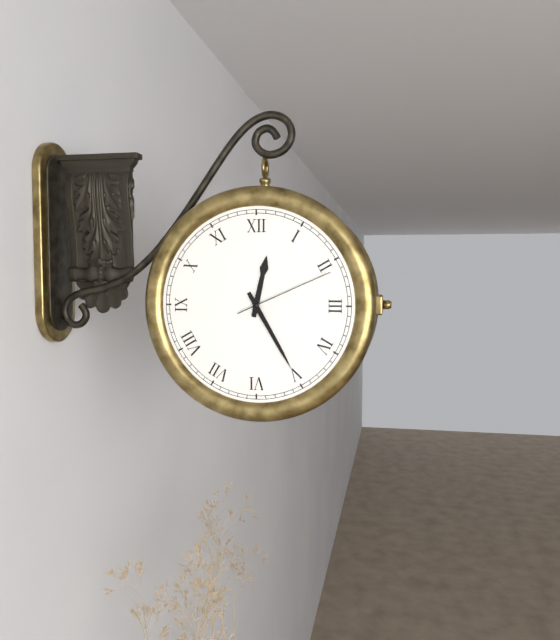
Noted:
12,25,11
